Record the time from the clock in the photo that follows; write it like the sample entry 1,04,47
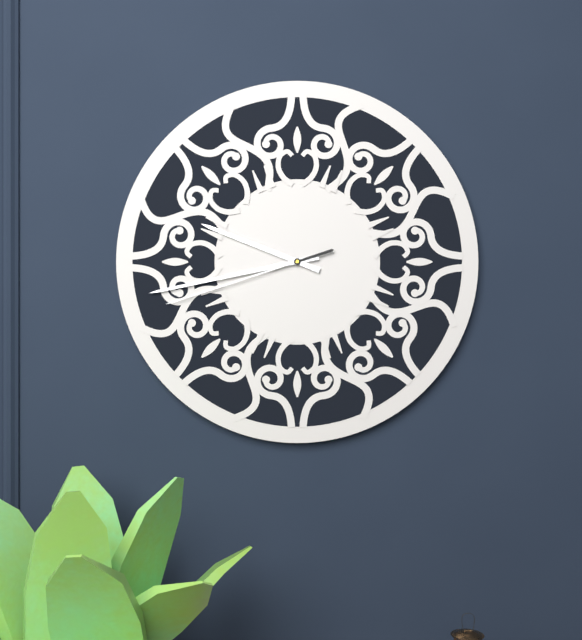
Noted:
9,43,42
